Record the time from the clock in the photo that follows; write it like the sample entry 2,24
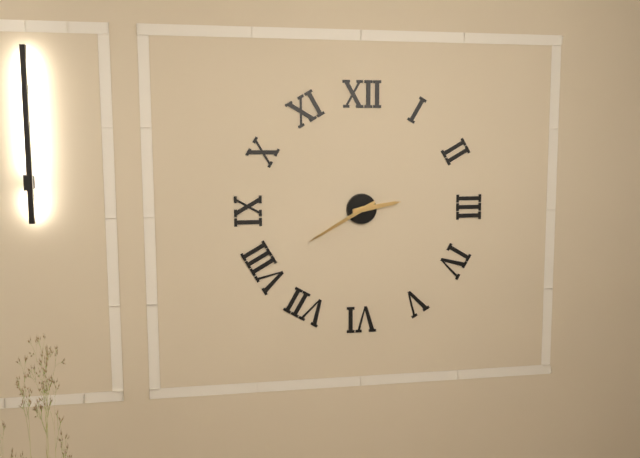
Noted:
2,40
